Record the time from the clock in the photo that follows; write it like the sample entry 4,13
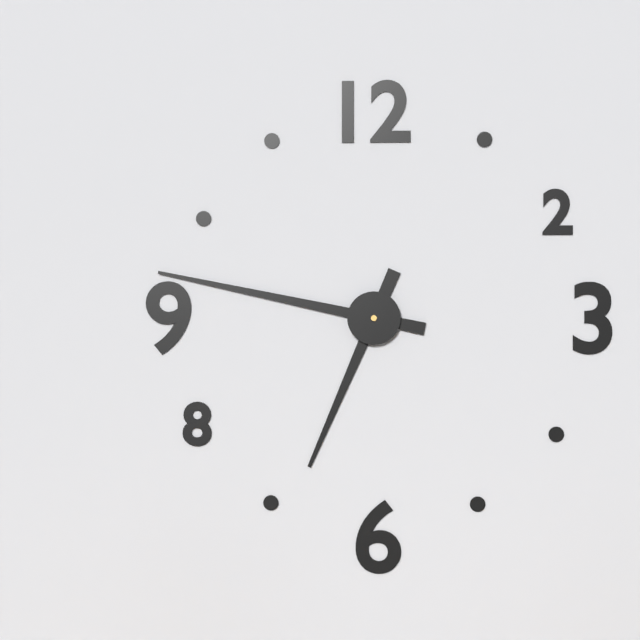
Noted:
6,47
